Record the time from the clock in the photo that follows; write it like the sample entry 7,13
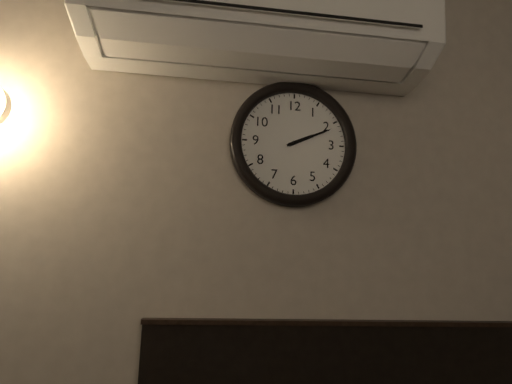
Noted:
2,11
